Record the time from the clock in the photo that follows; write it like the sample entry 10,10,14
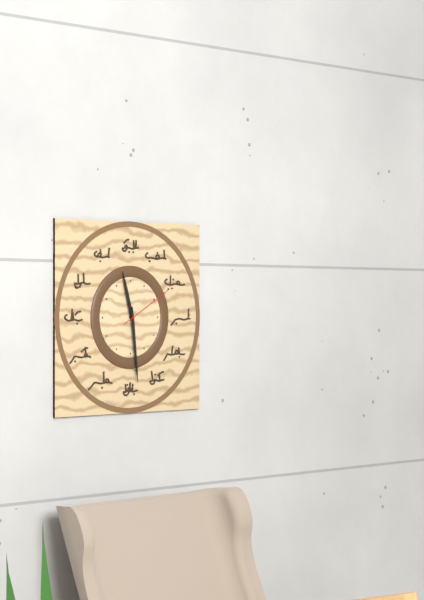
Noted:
11,29,10
